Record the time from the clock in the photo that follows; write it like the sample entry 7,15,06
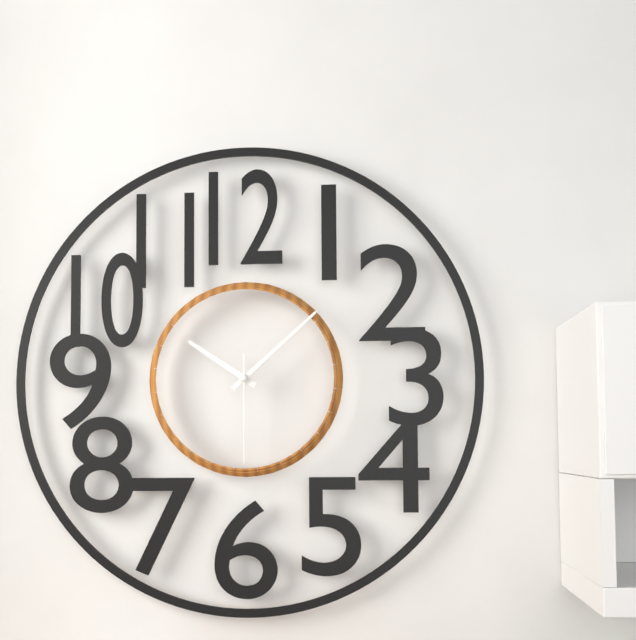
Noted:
10,08,30
